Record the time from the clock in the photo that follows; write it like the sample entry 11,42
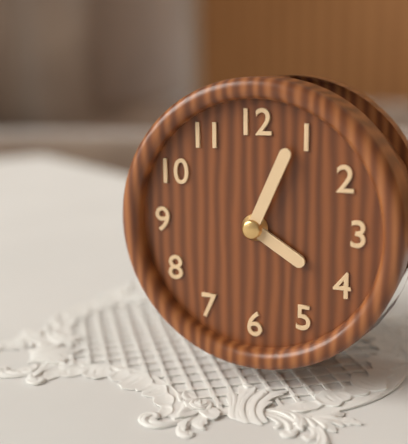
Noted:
4,04
